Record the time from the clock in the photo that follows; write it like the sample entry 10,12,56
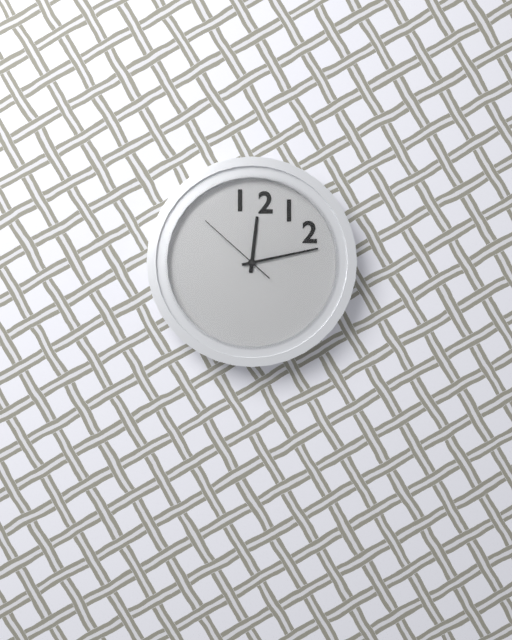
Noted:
12,13,52
